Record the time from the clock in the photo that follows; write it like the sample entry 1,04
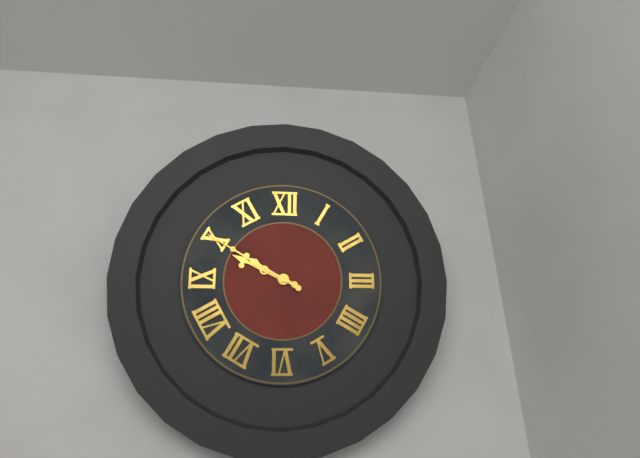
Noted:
9,50
